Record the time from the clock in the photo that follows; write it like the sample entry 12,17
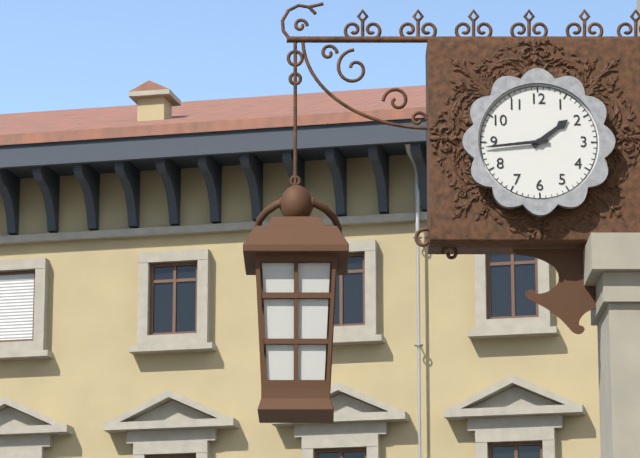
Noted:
1,44
